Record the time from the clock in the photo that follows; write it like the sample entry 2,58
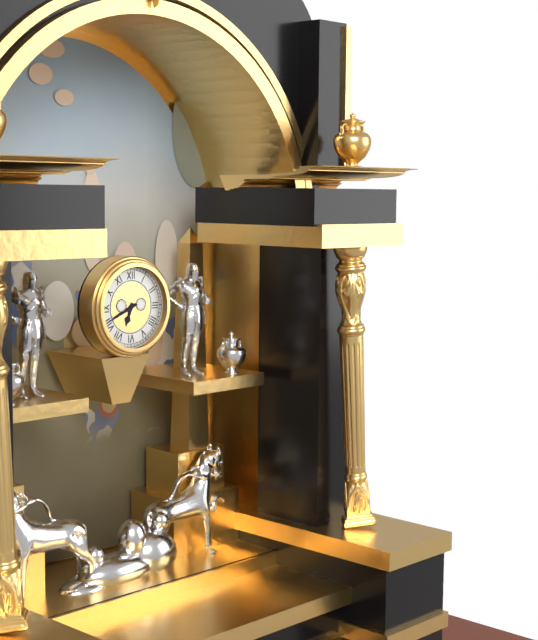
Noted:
6,41
